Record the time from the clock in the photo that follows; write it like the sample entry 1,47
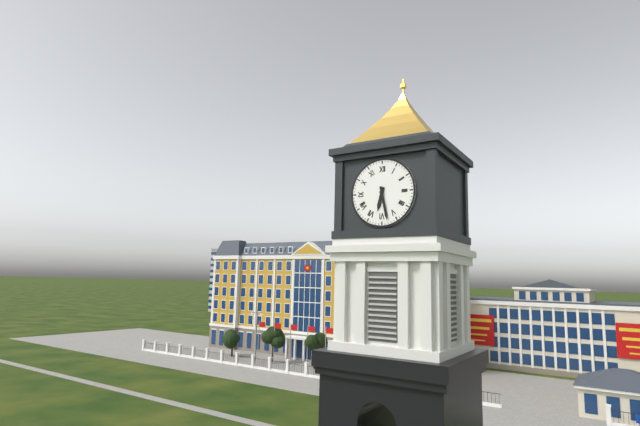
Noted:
6,28
